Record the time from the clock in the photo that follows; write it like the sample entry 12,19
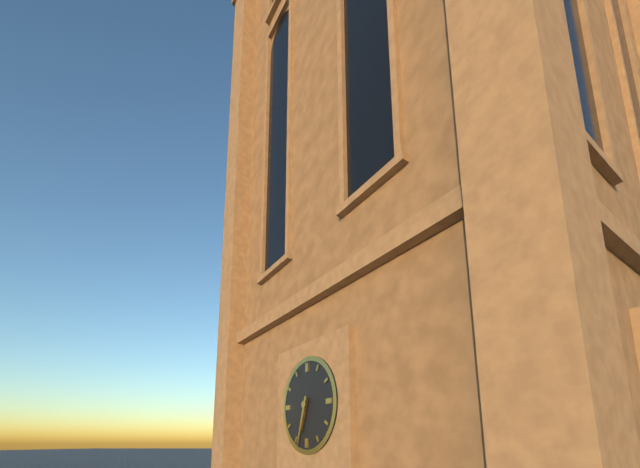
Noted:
6,33
